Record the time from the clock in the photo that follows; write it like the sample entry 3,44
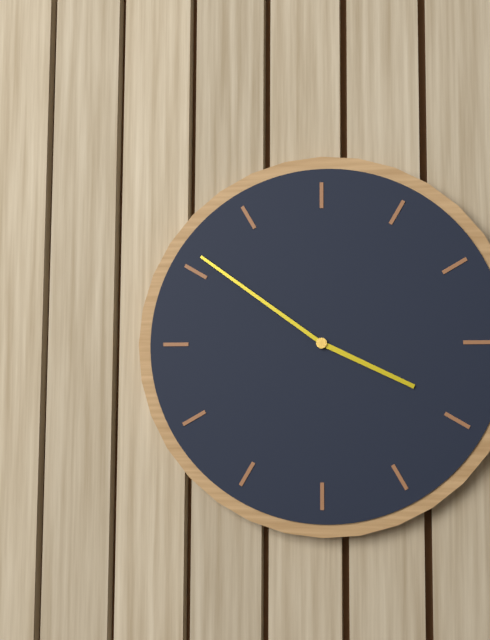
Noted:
3,51
